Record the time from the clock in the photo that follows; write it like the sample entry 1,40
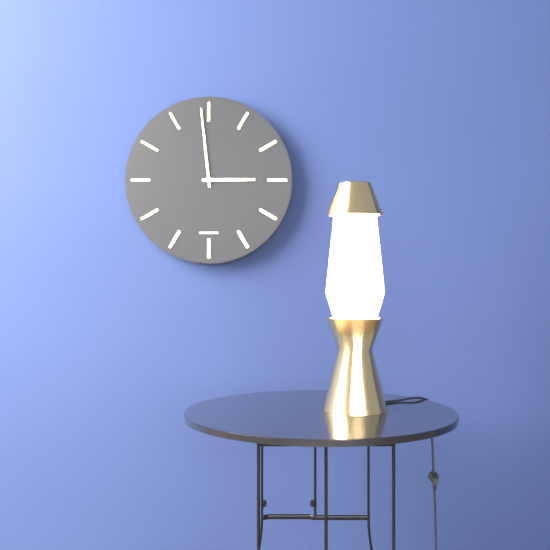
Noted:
2,59
